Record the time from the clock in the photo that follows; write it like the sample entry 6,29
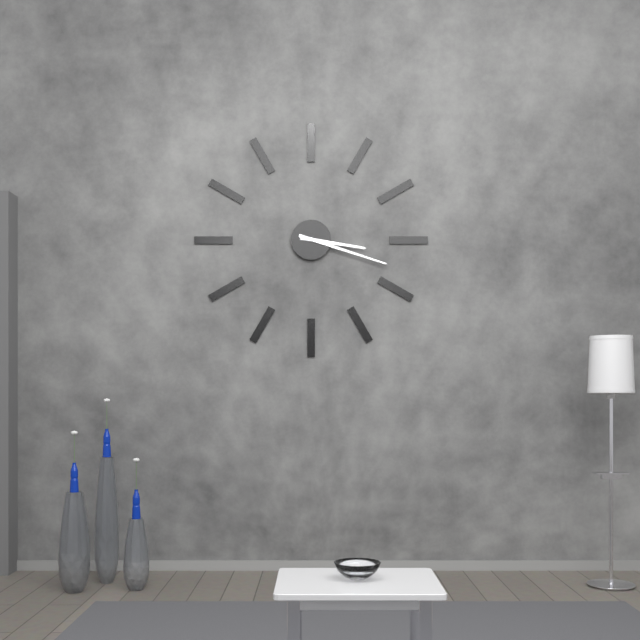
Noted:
3,18
